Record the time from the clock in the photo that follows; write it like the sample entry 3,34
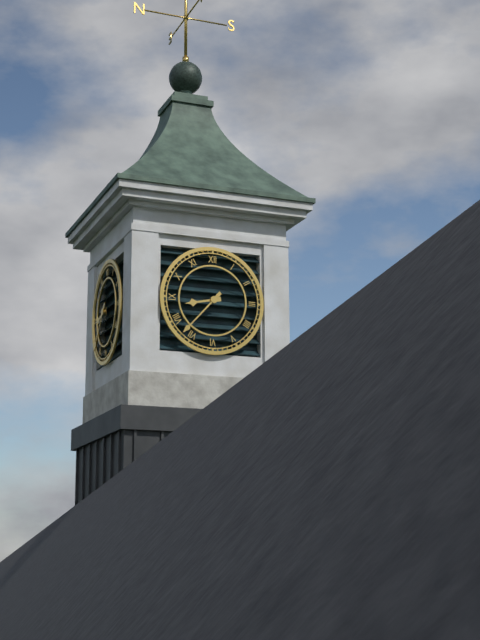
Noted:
8,37
